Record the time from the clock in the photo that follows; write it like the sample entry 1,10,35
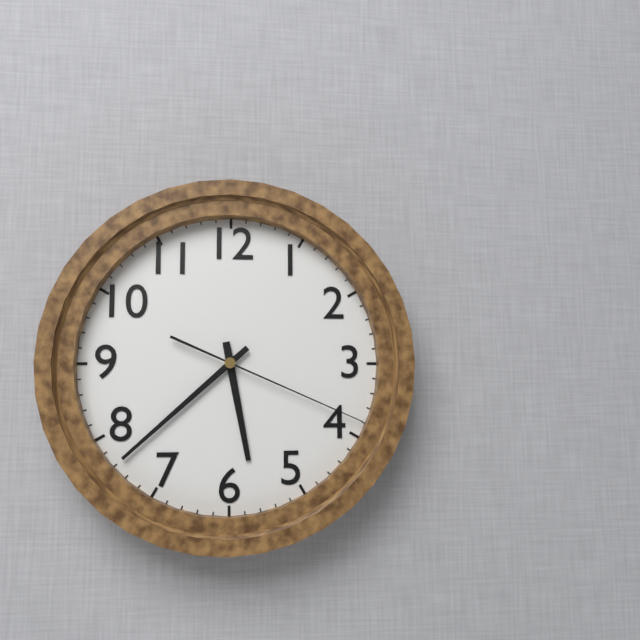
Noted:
5,38,19
